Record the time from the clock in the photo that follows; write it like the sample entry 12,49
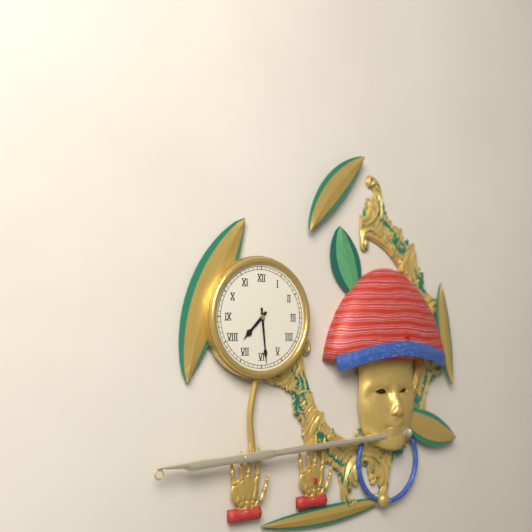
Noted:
7,29
